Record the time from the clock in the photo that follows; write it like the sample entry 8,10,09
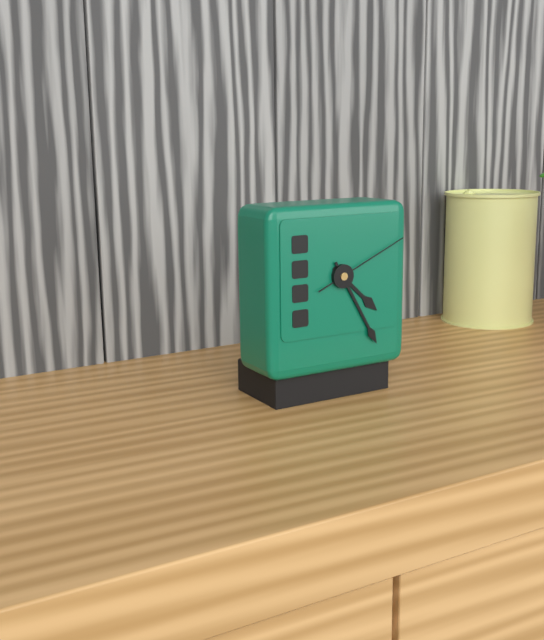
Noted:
4,25,11
